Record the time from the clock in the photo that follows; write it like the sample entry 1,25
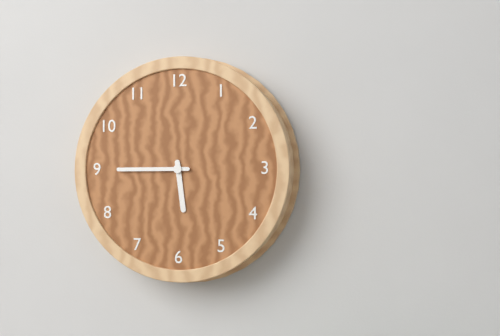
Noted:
5,45
